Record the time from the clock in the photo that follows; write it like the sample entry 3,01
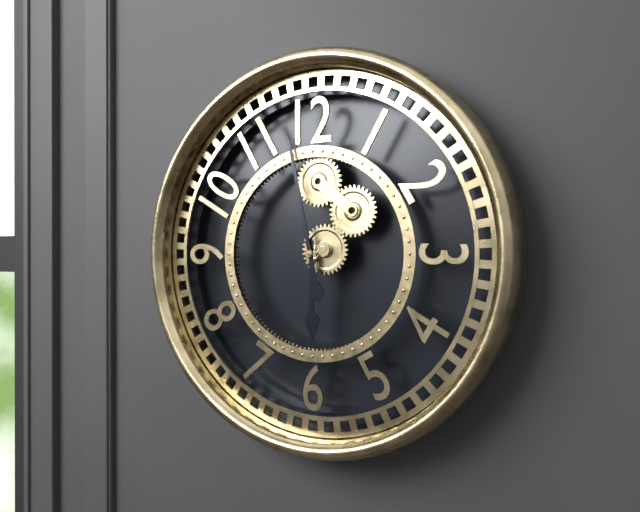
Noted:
5,58
